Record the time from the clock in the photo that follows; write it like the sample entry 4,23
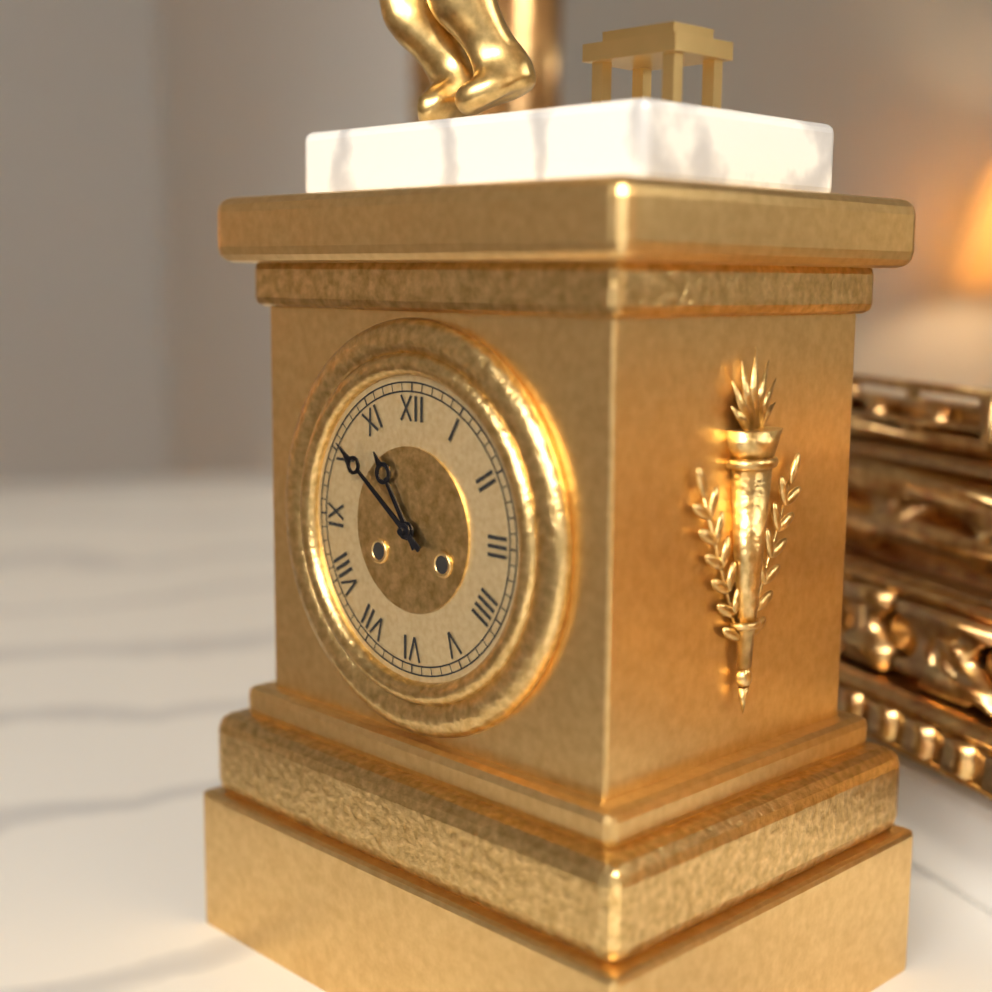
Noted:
10,51
